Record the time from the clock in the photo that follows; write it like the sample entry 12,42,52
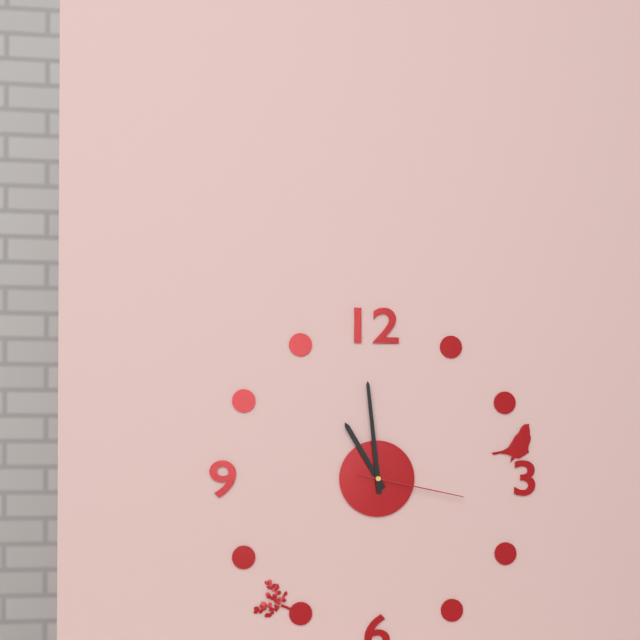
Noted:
10,59,17
